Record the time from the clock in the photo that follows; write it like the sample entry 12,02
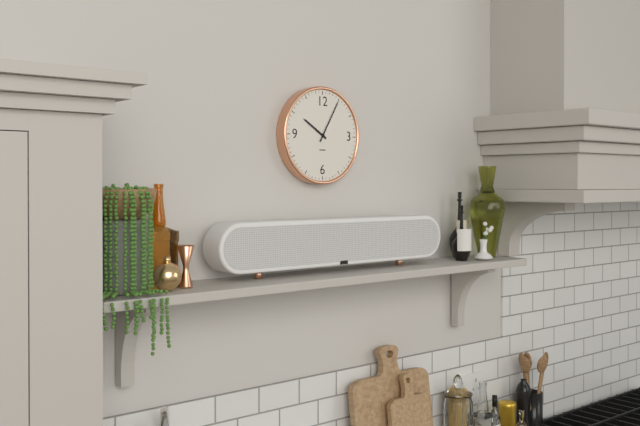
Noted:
10,05
